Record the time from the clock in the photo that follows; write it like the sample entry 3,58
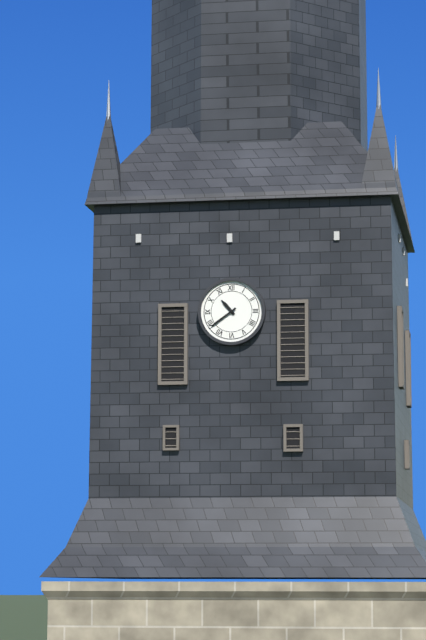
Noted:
10,39
